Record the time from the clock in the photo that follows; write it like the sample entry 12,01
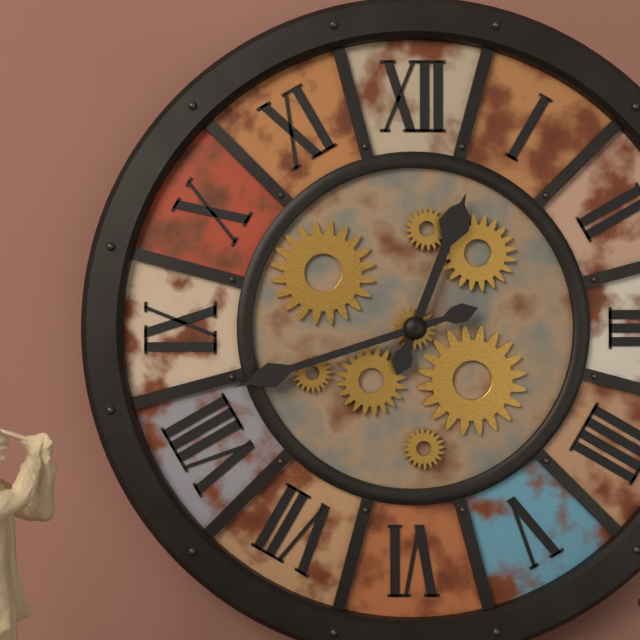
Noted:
12,42
